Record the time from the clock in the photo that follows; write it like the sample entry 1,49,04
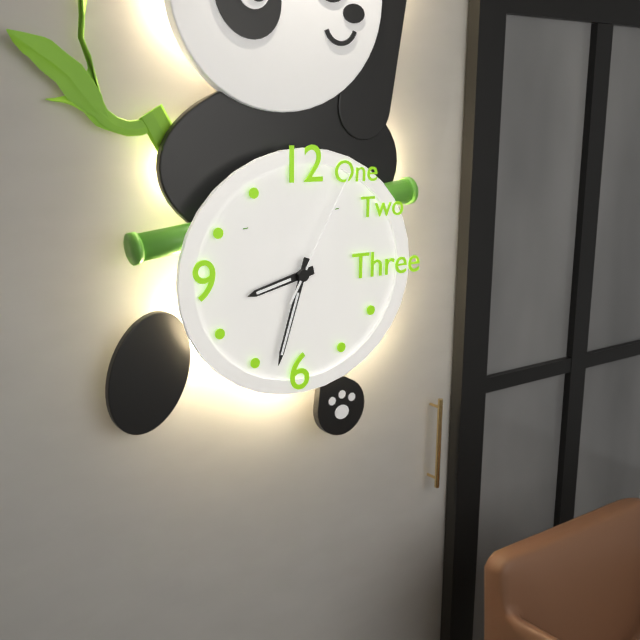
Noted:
8,33,05
